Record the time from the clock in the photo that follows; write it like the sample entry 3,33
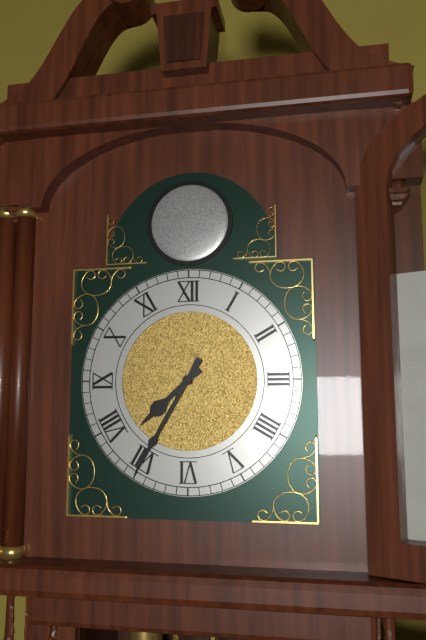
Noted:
7,35
